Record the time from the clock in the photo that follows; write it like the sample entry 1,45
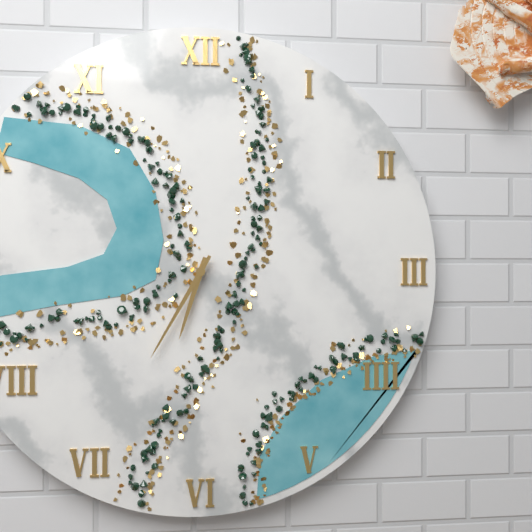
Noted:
6,35
